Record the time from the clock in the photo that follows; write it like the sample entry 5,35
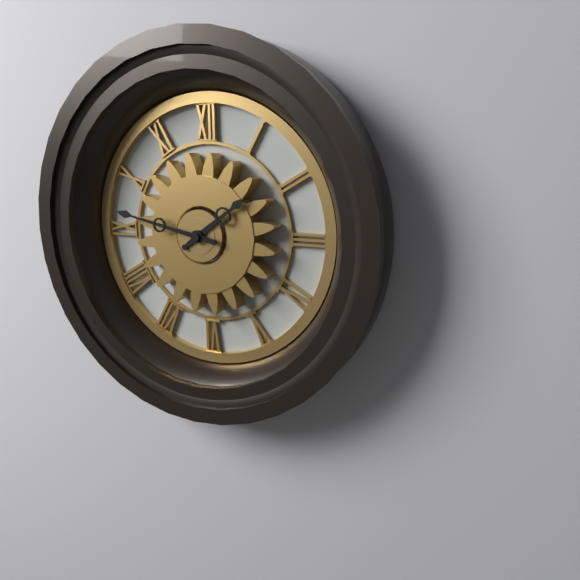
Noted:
1,47
